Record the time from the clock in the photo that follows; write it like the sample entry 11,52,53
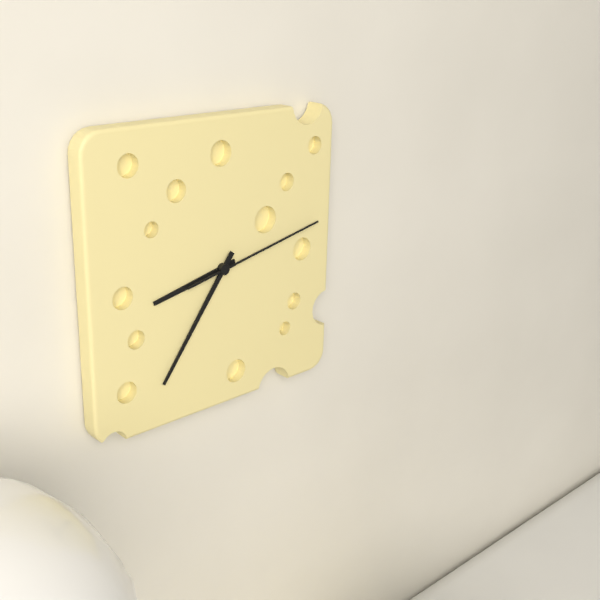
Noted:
8,36,13
